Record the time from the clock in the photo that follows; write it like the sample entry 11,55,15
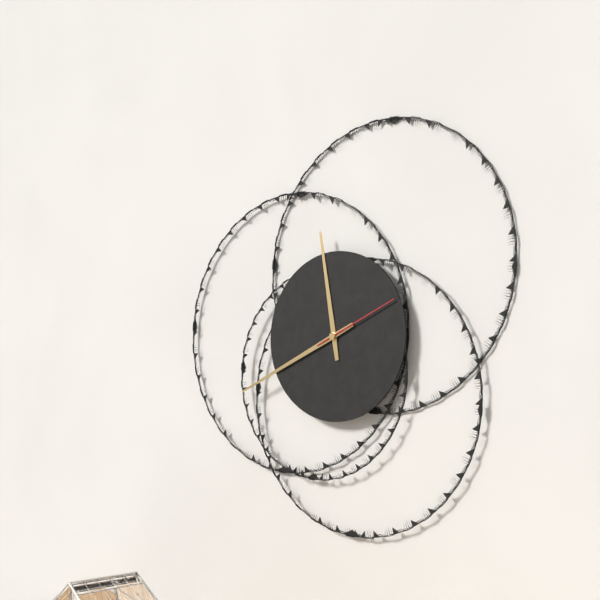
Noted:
11,41,11
